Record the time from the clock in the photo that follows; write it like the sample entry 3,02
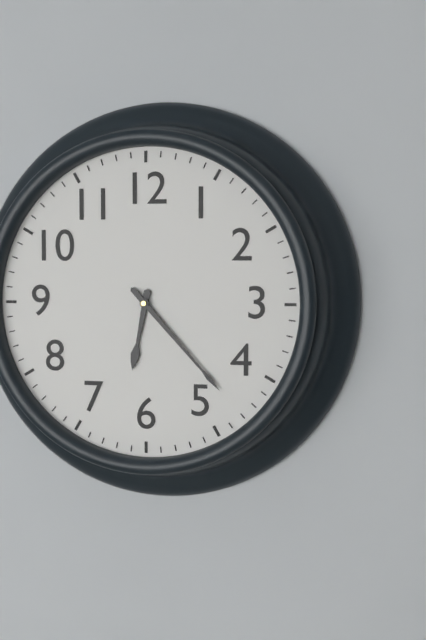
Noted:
6,23
